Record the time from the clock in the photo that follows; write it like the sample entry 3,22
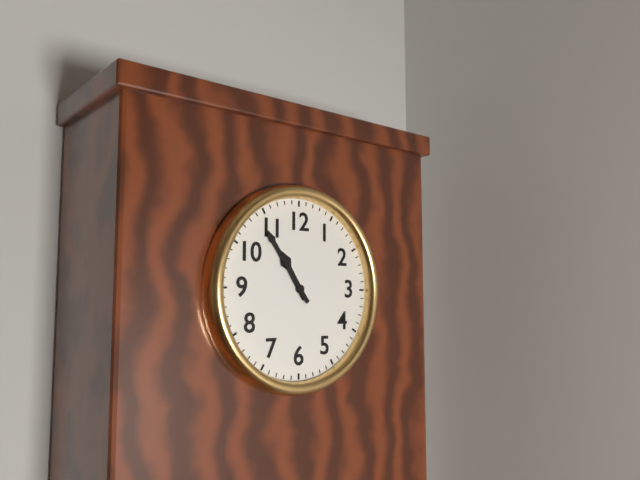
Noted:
10,54
